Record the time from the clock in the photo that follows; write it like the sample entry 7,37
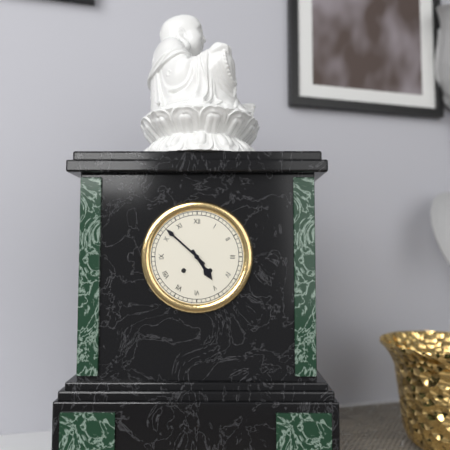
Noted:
4,52
